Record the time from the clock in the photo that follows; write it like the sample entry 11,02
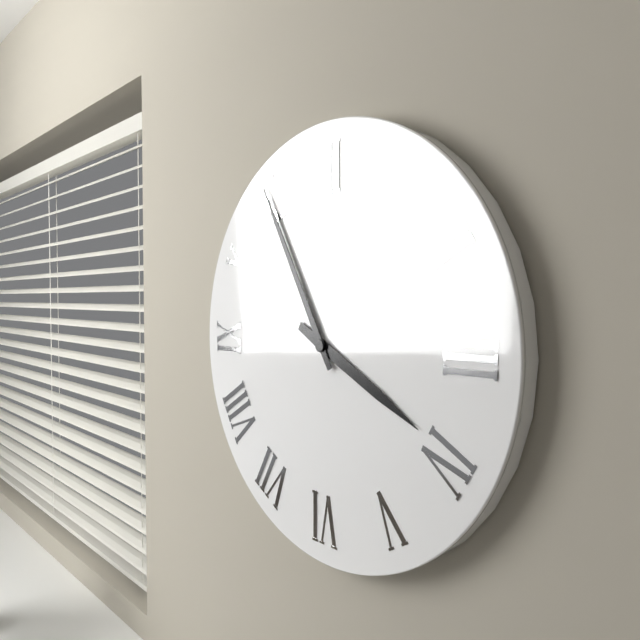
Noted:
3,55
